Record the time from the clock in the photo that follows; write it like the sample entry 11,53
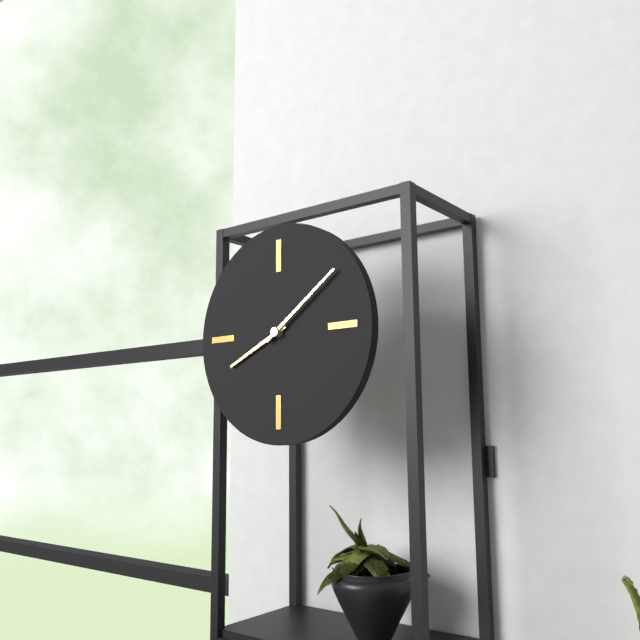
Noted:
8,09
